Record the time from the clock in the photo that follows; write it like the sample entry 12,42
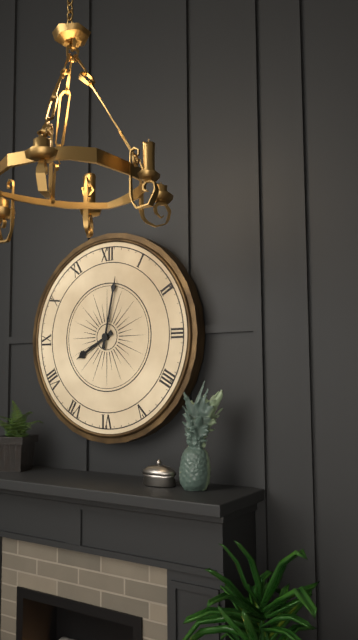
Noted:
8,02
